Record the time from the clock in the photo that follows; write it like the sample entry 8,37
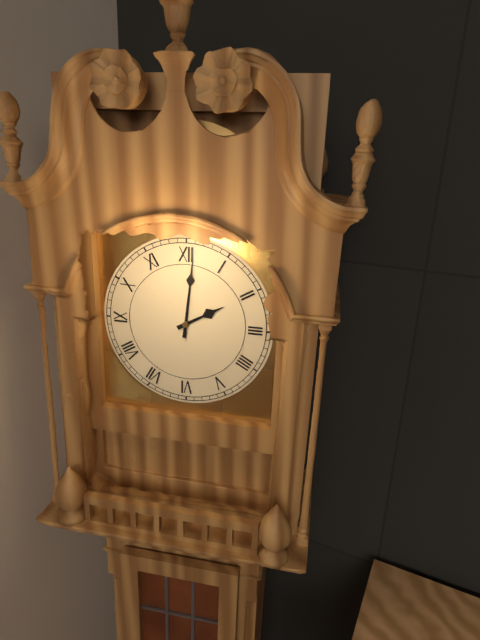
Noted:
2,01
